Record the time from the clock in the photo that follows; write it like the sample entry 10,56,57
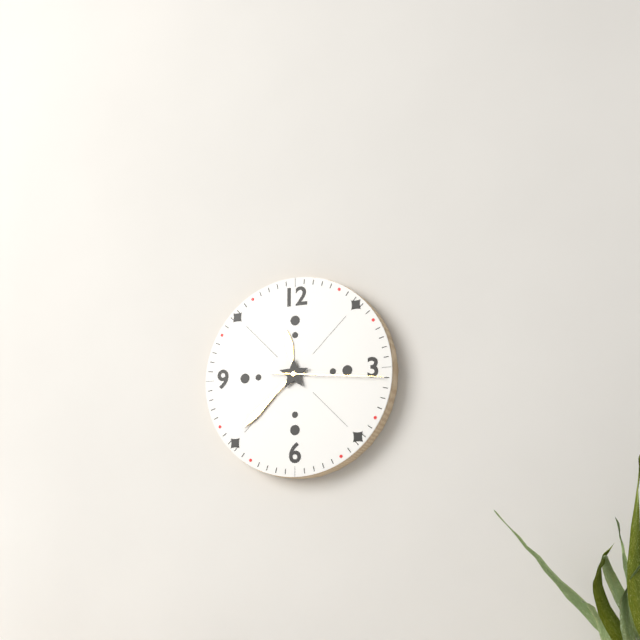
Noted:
11,38,16
